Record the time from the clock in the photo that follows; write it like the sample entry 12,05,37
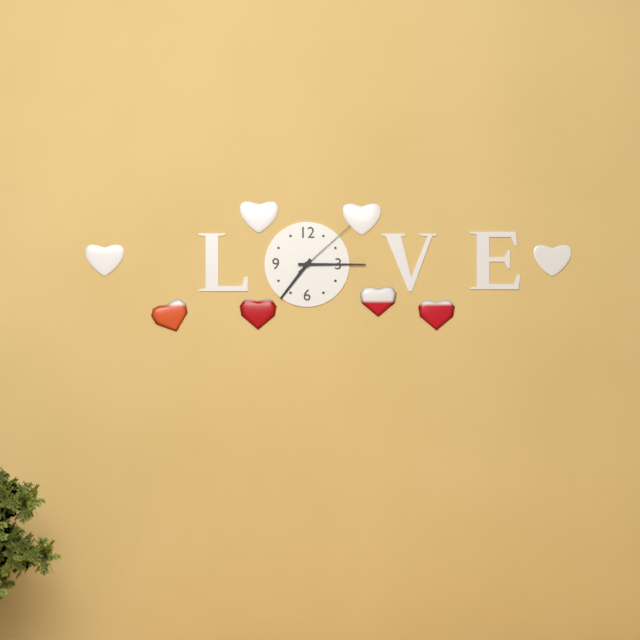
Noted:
7,15,08
